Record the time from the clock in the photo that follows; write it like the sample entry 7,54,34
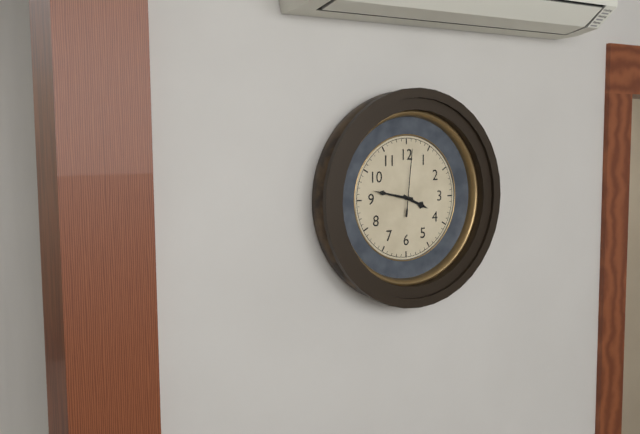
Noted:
3,47,01
